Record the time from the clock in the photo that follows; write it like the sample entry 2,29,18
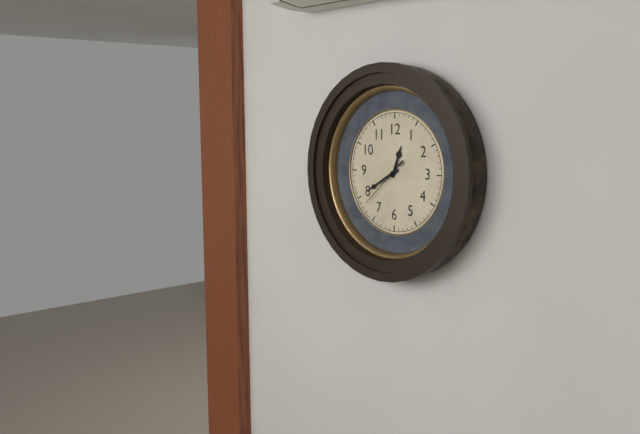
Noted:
12,40,38
